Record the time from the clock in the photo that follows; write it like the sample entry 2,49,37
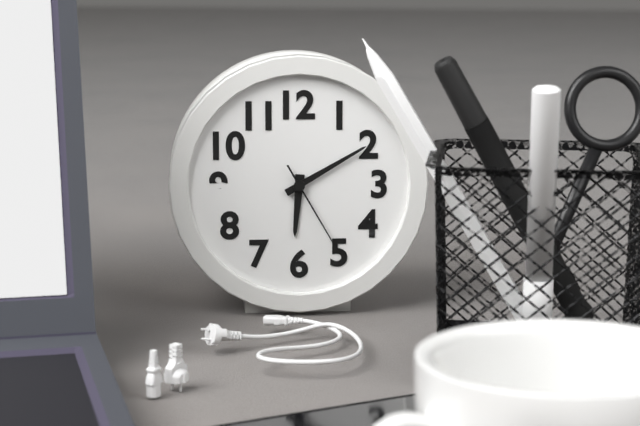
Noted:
6,10,25
